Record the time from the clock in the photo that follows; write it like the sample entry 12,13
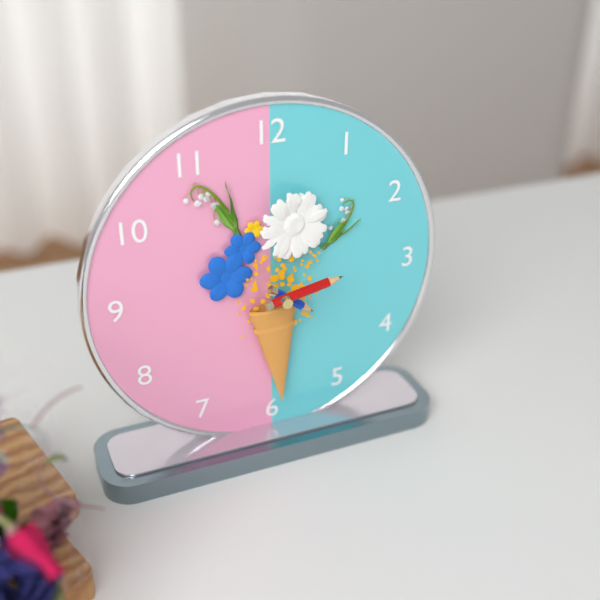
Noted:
4,13
